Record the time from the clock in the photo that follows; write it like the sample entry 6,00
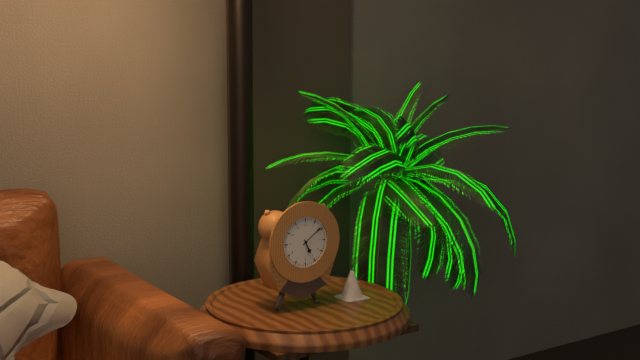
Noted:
5,09
